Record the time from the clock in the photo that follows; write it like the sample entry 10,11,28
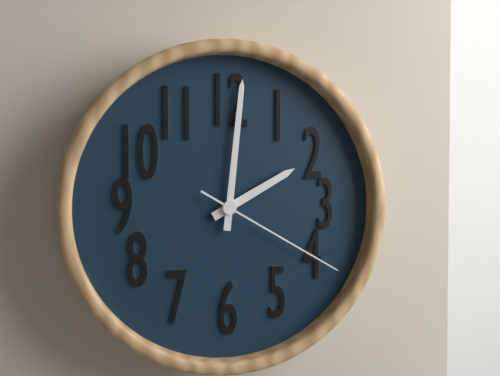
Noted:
2,01,20
